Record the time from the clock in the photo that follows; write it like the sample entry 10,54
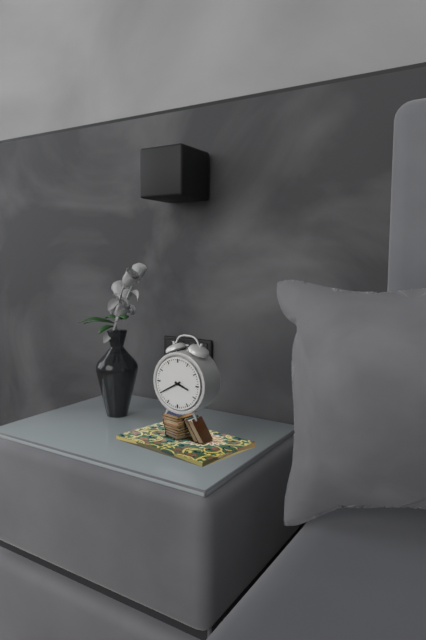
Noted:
3,40
